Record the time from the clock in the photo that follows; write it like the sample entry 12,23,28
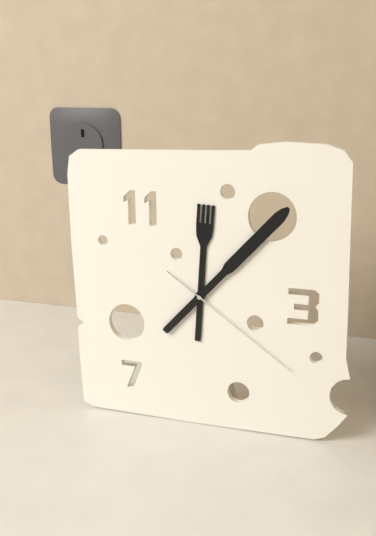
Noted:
12,07,21
